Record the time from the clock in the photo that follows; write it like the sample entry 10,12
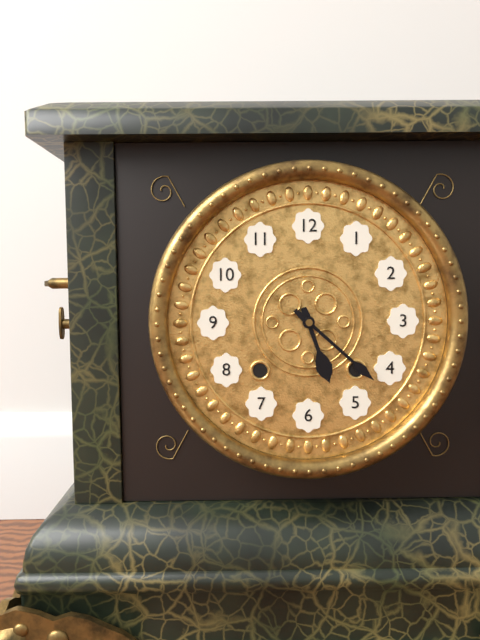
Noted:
5,22
